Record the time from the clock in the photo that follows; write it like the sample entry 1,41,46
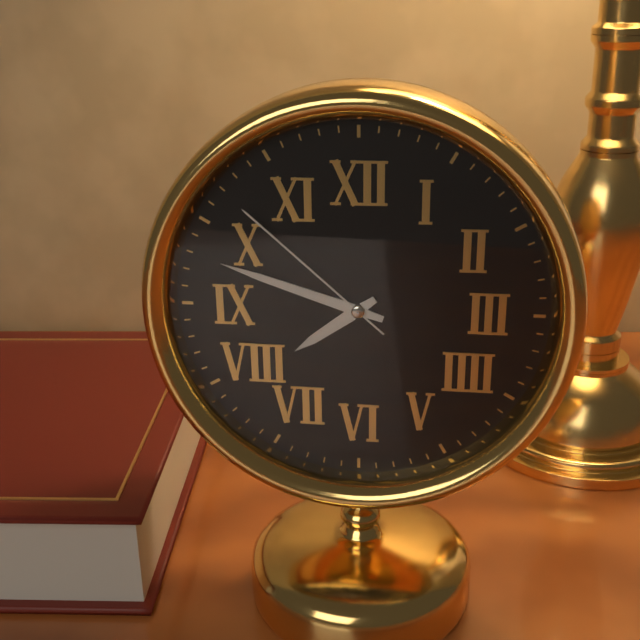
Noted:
7,48,52
